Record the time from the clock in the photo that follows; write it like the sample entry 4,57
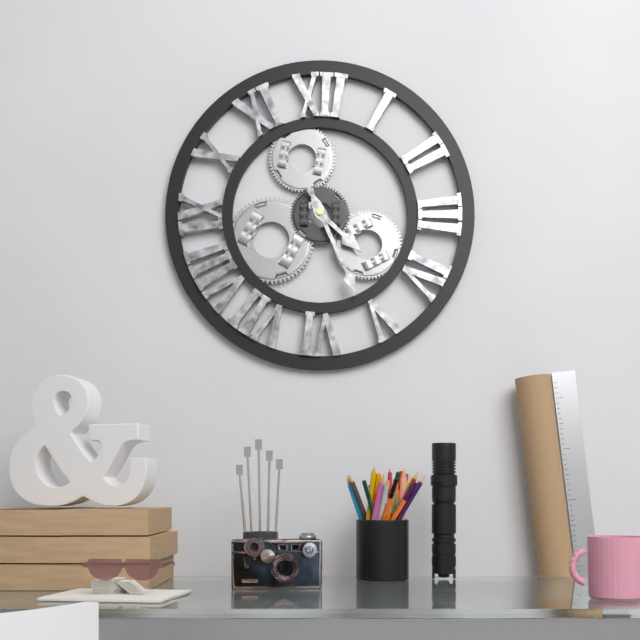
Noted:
4,26
